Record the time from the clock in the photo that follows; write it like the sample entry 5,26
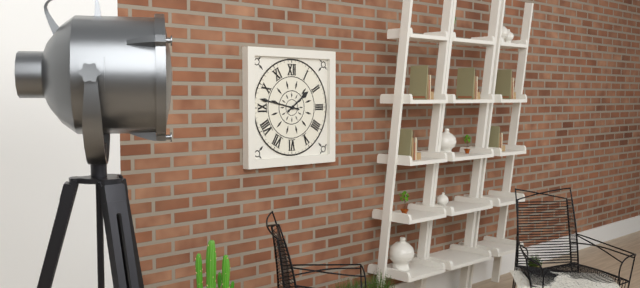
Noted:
1,47
